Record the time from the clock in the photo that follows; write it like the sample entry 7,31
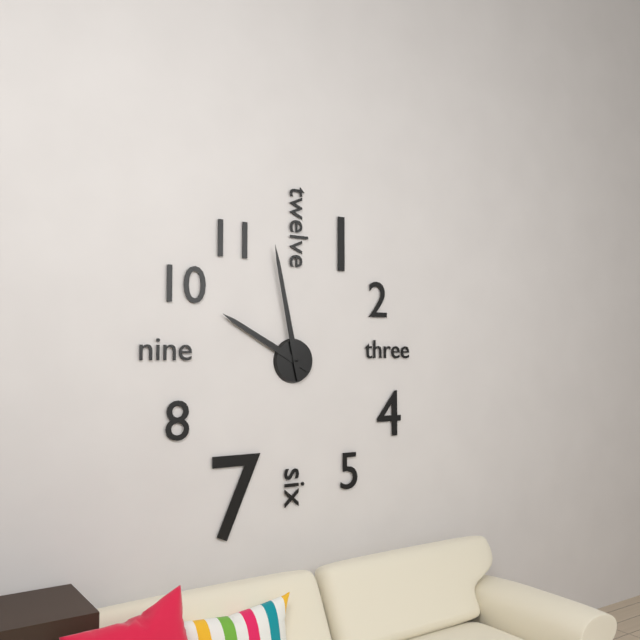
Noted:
9,58
